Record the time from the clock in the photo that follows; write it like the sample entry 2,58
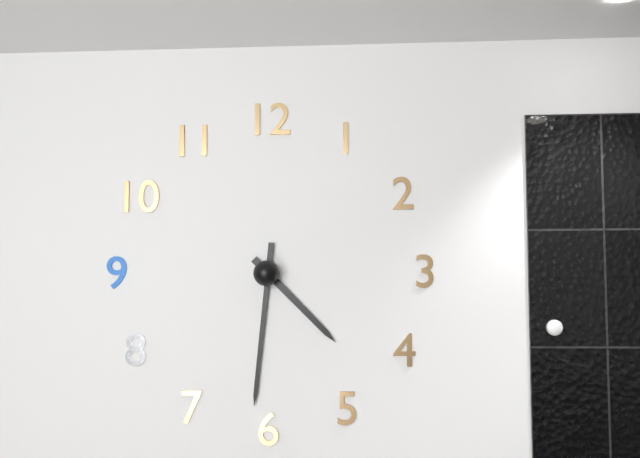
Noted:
4,31
